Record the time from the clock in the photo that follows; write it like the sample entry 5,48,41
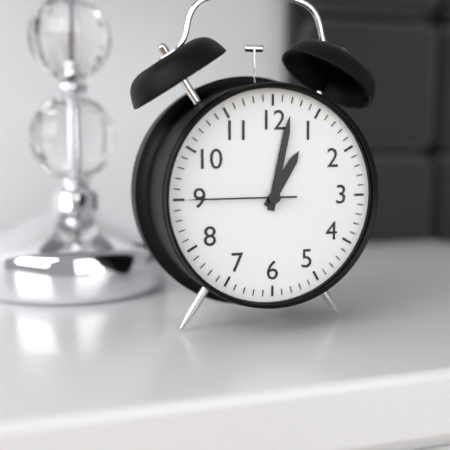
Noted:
1,02,45
